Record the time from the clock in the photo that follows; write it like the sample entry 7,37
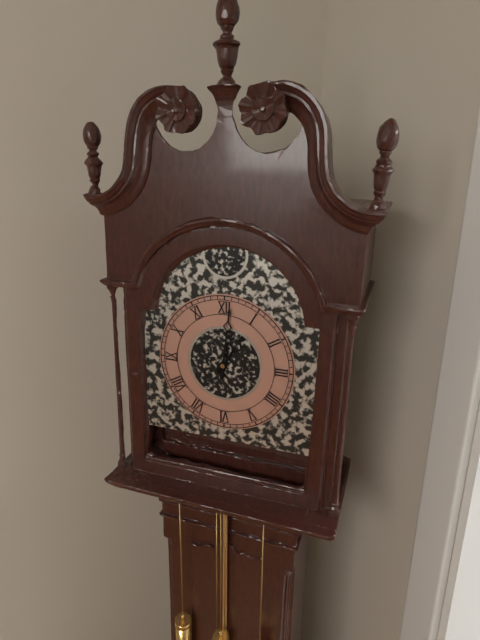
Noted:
1,01
